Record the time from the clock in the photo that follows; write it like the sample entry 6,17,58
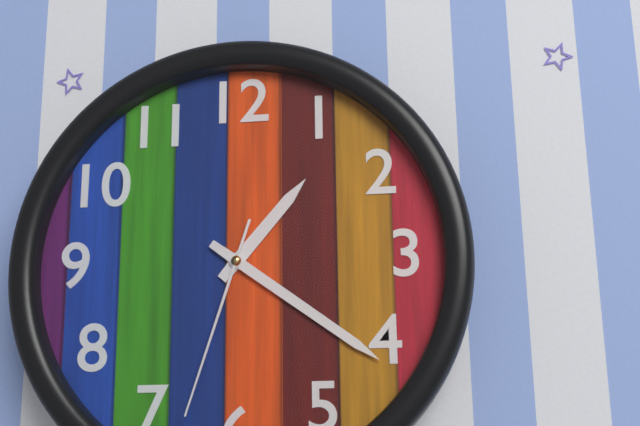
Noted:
1,21,33
